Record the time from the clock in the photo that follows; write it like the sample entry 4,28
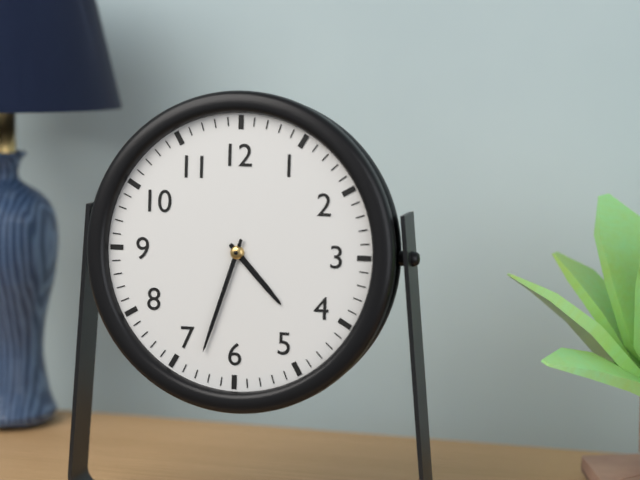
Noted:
4,33
